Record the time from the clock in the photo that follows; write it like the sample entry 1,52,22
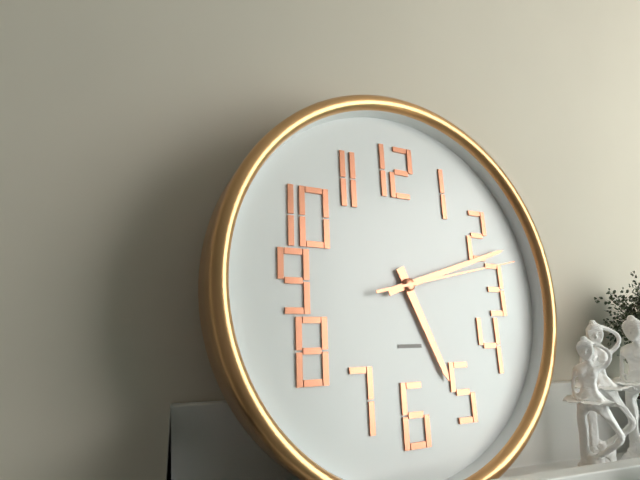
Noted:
5,12,13
